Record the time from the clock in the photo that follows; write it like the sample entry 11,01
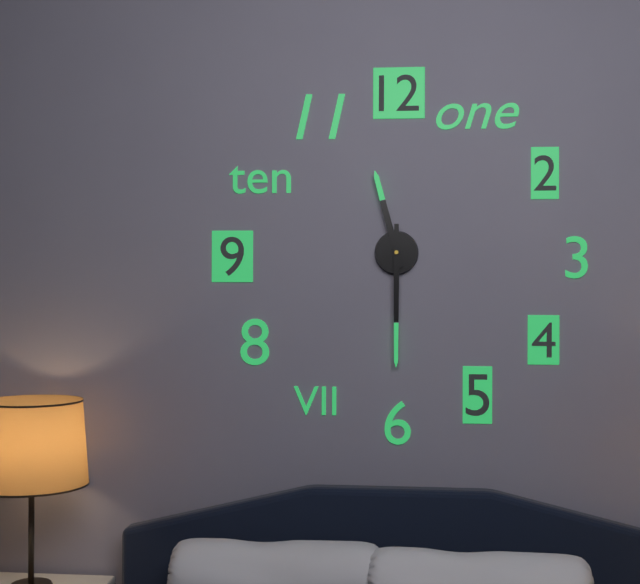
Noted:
11,30
